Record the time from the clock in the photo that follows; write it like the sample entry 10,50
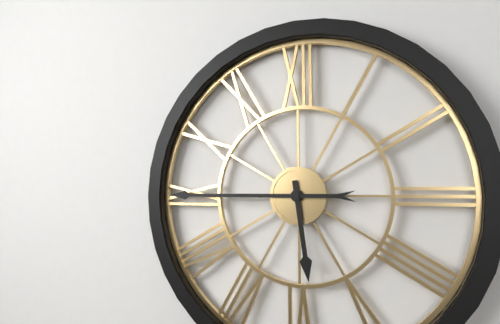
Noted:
5,45
